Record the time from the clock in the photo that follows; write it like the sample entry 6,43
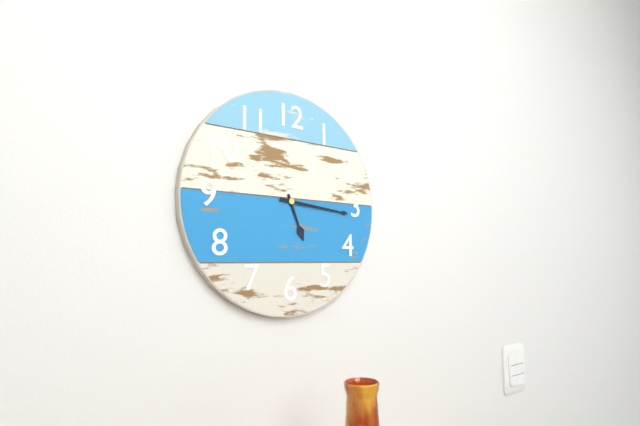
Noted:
5,16
